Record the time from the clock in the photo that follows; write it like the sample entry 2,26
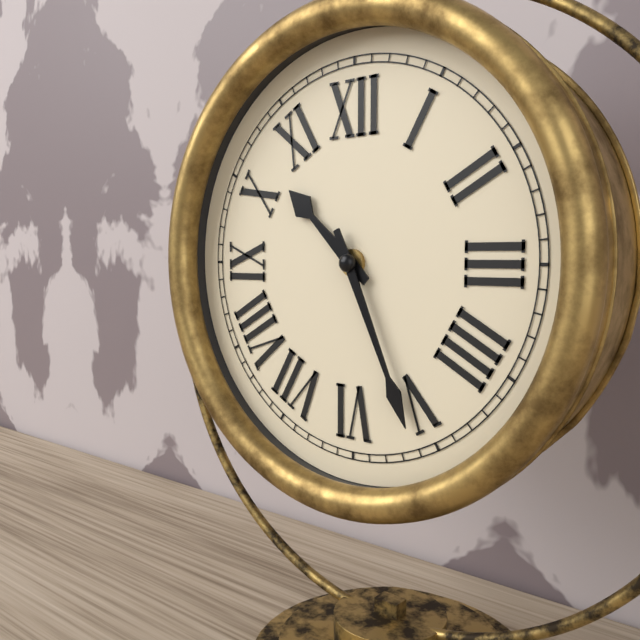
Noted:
10,26
